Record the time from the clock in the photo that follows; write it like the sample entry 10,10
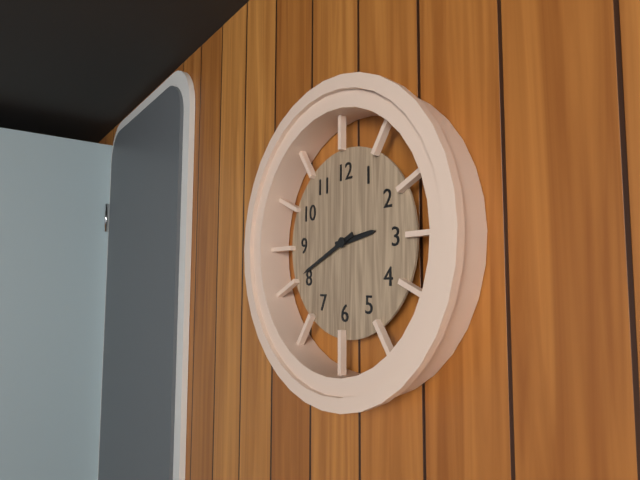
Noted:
2,41
